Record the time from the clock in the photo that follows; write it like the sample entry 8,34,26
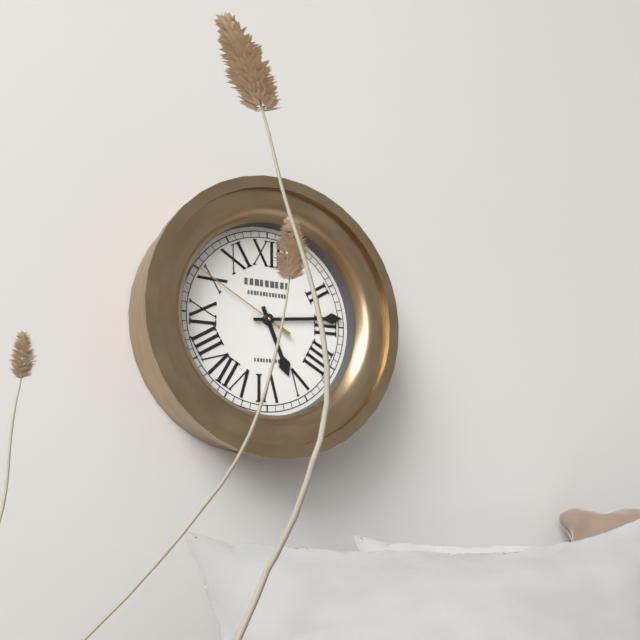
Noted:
5,14,50
